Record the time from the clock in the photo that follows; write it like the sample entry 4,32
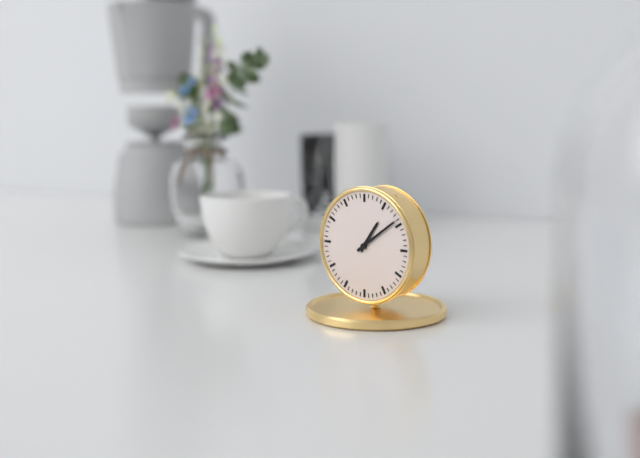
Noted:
1,09
